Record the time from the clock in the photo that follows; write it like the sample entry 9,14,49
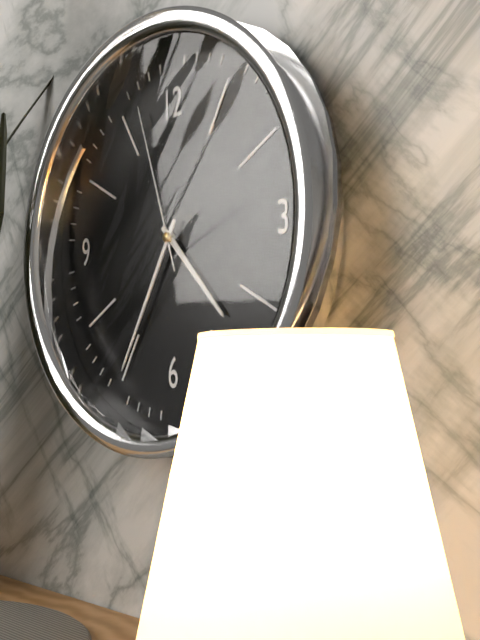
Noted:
4,35,57
